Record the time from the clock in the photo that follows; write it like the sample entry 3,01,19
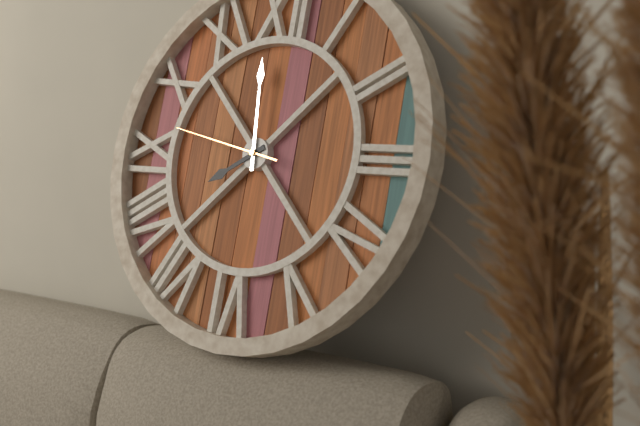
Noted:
7,59,47
